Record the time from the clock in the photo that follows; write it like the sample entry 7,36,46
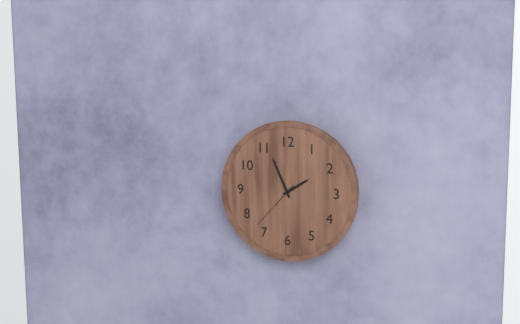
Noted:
1,56,37
